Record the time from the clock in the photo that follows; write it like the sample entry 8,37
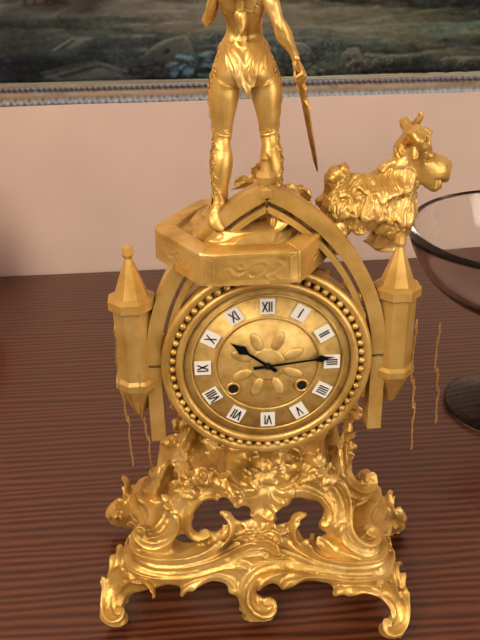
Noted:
10,14
